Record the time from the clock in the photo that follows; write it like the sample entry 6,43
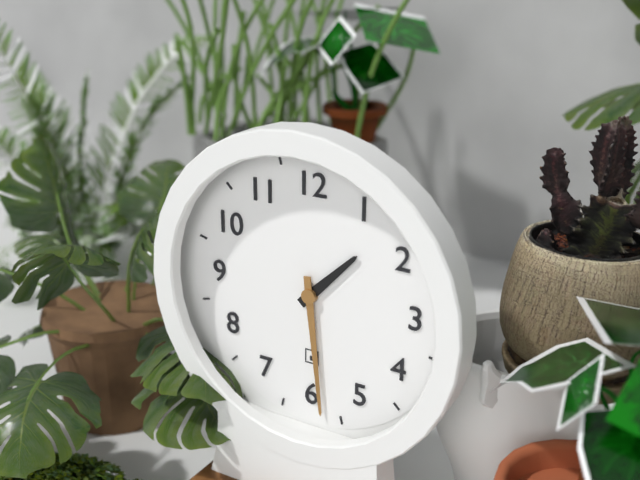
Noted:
1,29
